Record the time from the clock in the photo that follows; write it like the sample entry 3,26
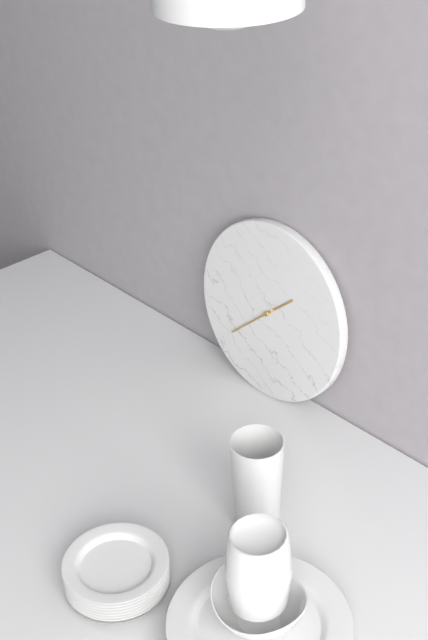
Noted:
1,38
